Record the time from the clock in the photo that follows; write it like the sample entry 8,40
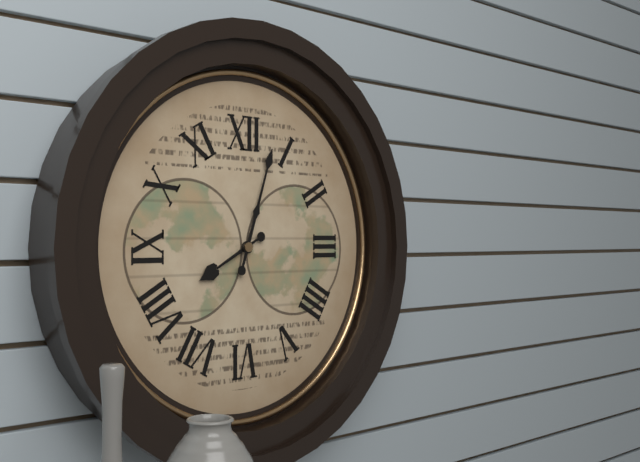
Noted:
8,03
